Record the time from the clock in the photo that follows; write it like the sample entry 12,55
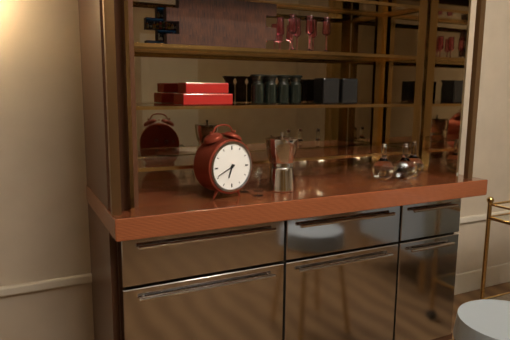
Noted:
6,41
